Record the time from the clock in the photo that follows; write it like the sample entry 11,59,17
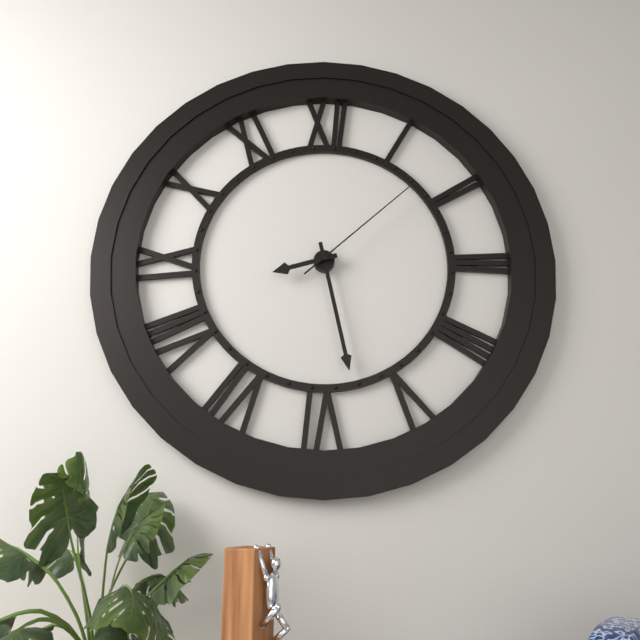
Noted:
8,28,08
